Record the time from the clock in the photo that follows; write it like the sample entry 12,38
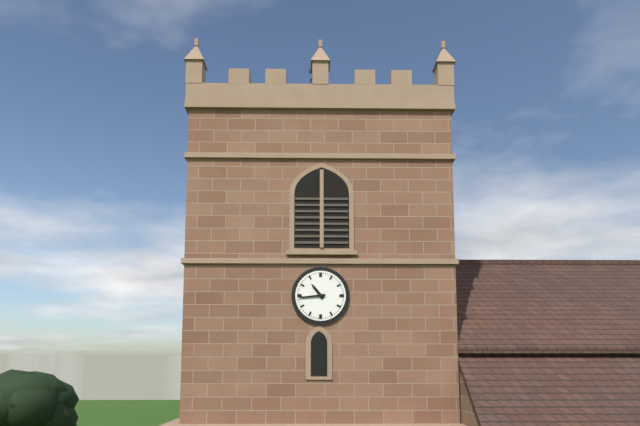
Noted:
10,44
